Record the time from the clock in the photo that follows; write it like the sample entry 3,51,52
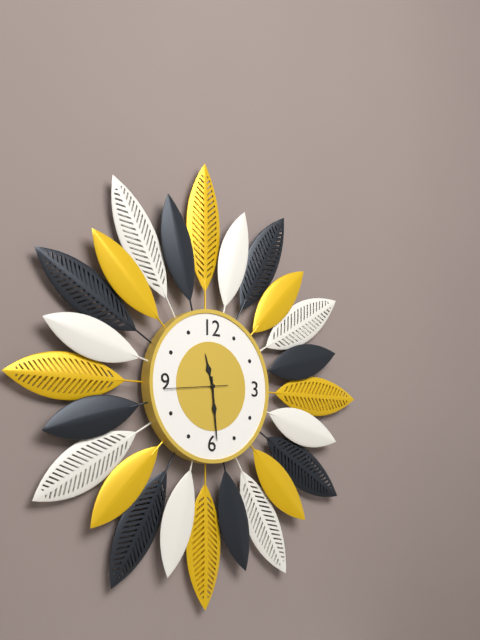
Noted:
11,29,44
